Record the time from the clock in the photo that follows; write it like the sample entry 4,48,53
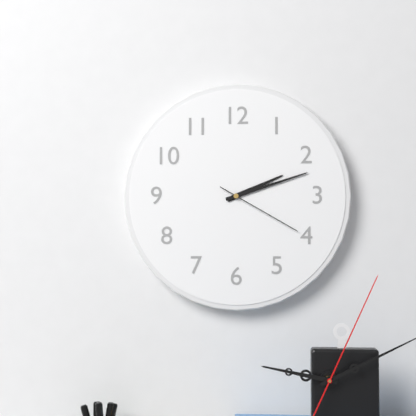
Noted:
2,12,20
